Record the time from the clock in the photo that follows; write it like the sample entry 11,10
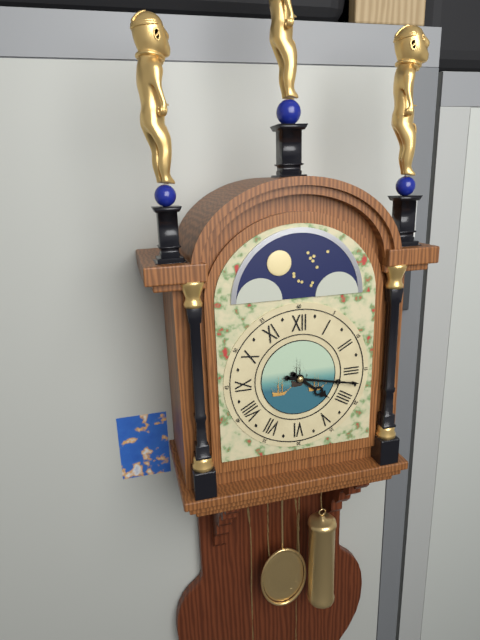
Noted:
4,17
